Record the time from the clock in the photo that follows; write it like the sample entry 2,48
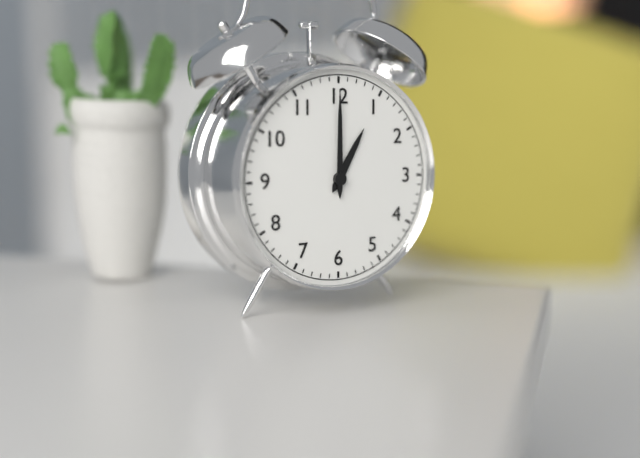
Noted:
1,00
